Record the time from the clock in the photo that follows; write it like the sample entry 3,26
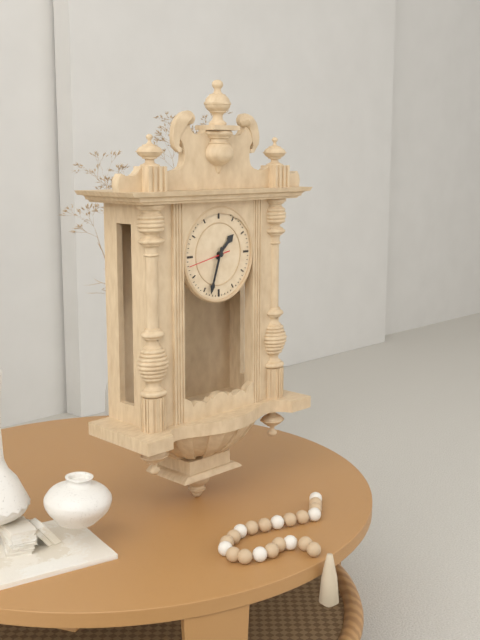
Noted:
1,33
